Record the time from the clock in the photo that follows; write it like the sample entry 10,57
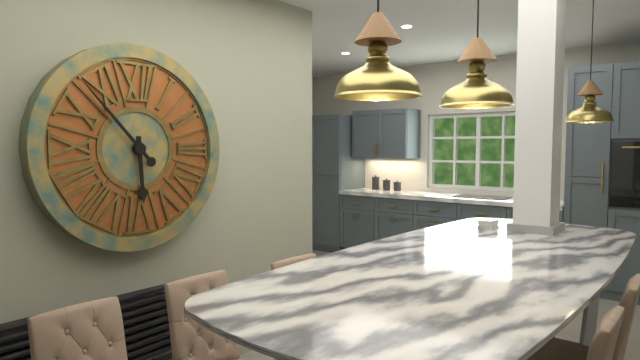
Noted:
5,53
